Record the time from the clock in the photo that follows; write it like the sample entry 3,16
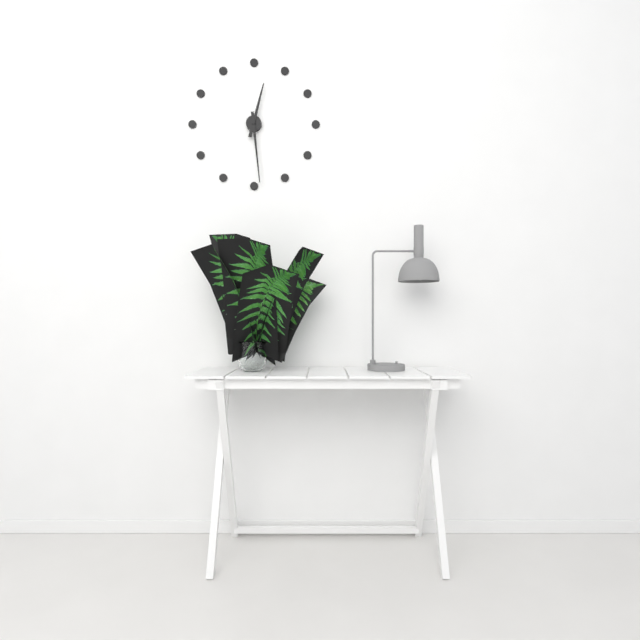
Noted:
12,29
